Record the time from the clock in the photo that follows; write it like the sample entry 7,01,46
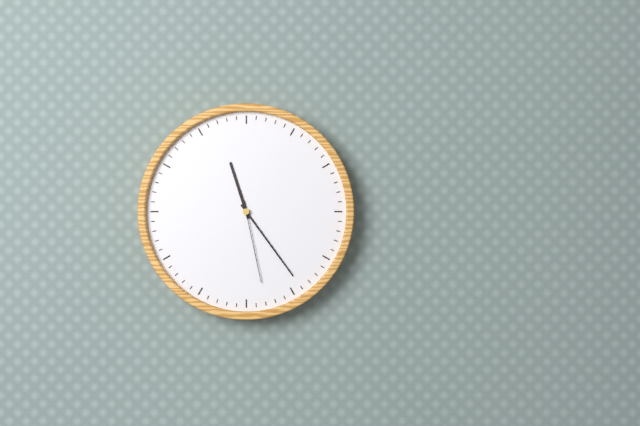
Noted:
11,24,28
